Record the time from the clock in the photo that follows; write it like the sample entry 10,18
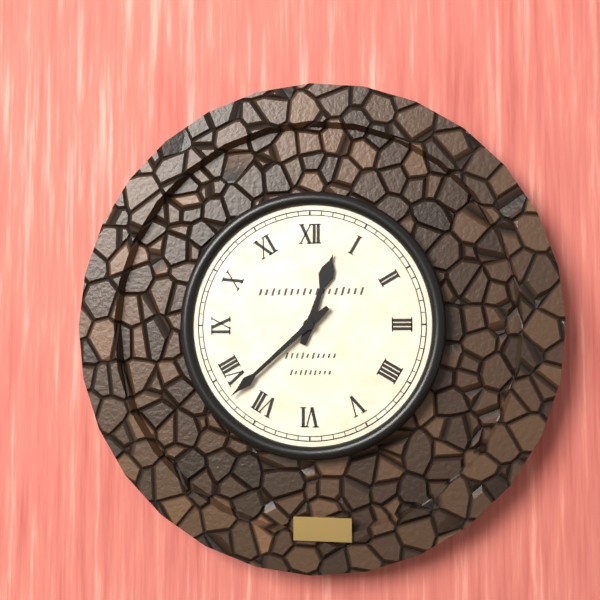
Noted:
12,38
